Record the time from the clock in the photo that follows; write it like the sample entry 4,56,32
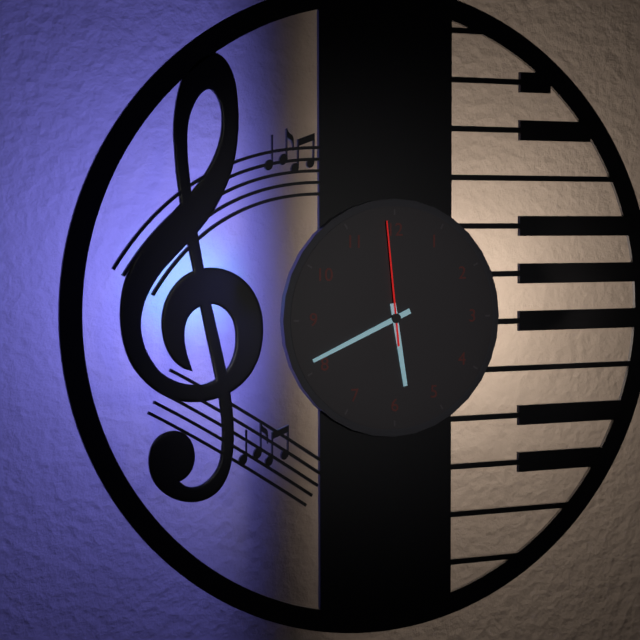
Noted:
5,41,59
